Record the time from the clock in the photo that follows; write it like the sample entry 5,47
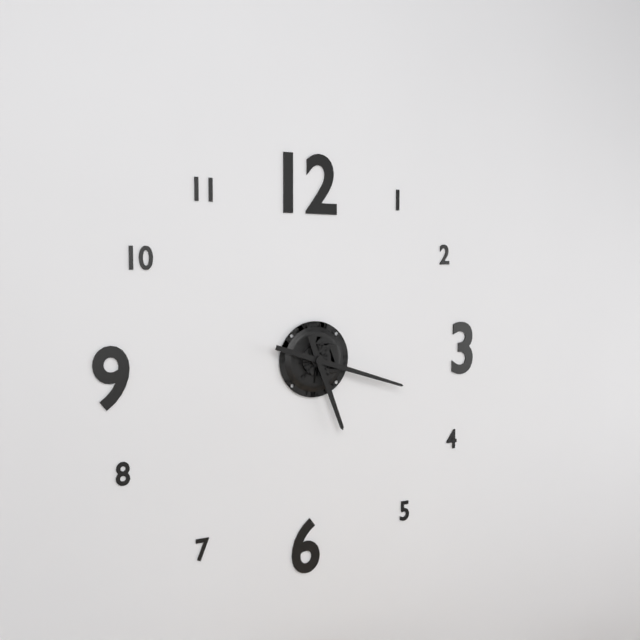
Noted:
5,18
